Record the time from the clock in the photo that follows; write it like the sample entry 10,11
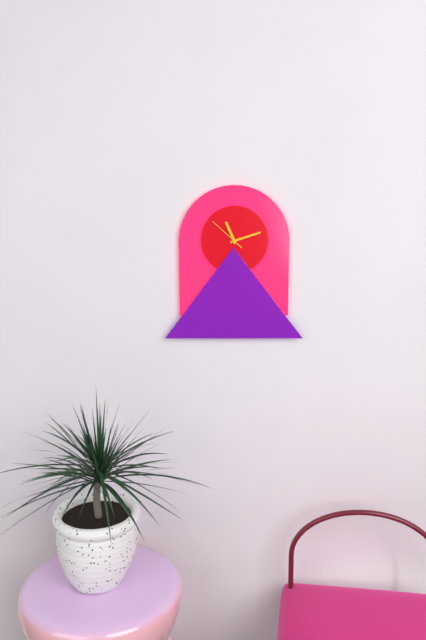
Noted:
11,12
